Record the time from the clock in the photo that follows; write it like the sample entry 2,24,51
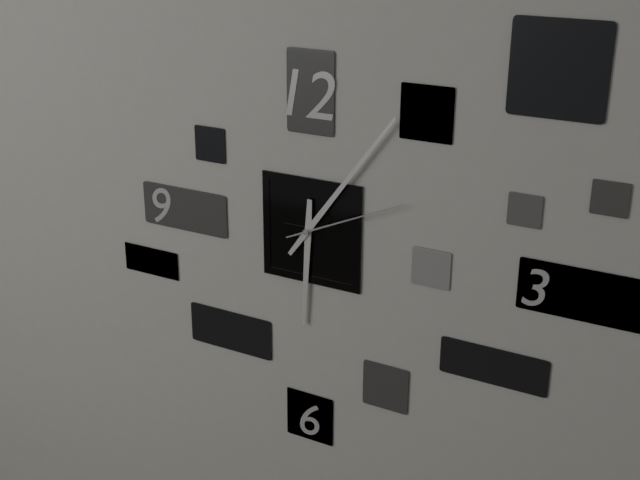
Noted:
6,06,11
